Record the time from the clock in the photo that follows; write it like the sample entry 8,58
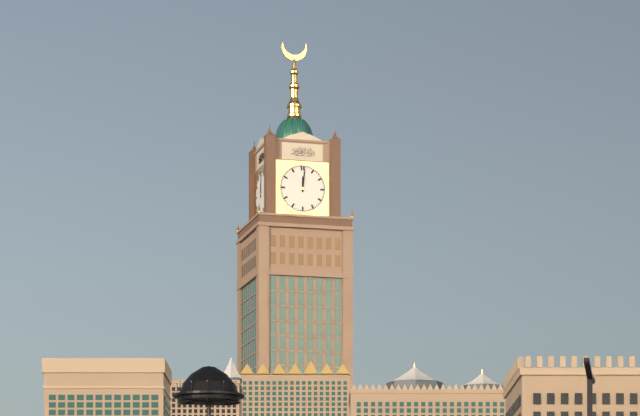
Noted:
12,01
